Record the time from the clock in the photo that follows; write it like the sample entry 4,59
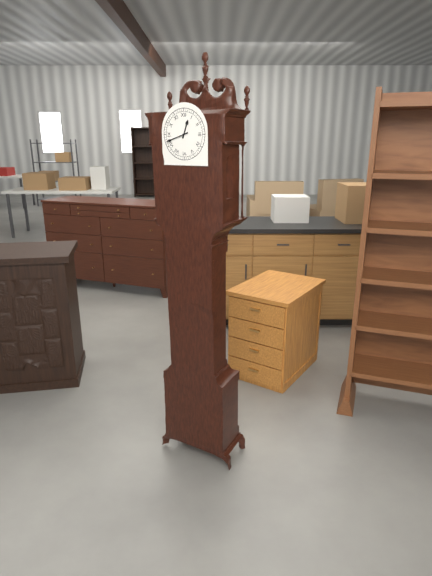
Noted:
12,42
